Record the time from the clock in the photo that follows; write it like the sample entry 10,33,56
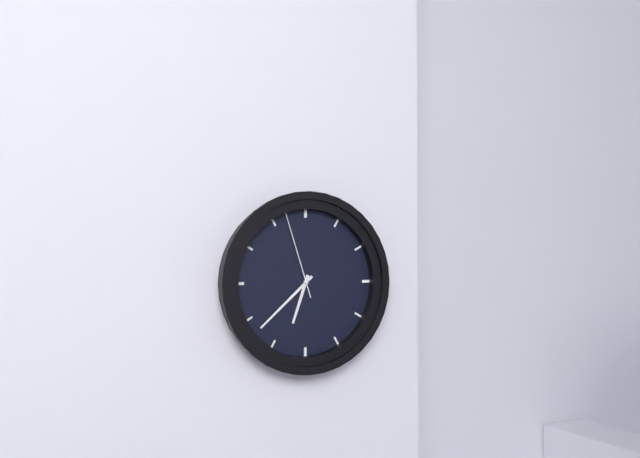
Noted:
6,38,57
